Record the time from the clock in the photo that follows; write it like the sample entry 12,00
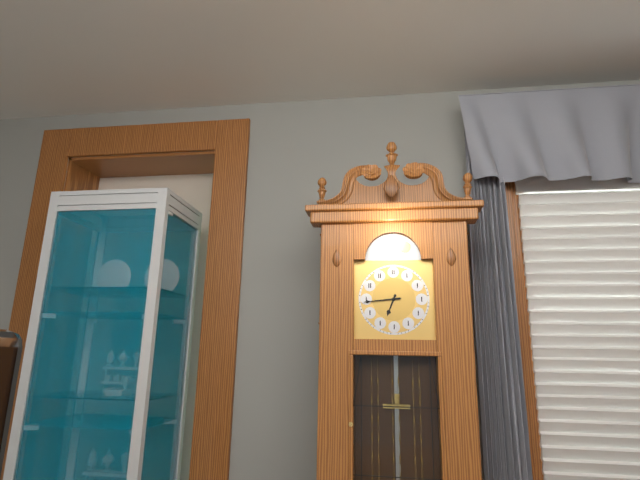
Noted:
6,44
